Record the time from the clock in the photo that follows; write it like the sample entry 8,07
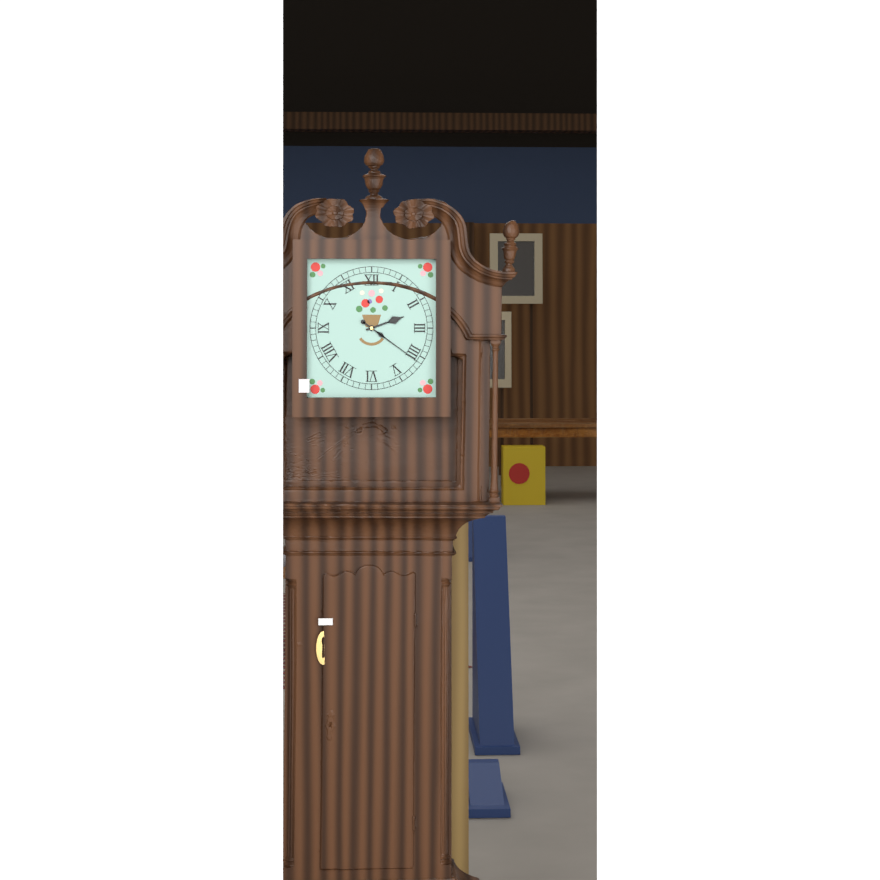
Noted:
2,21
